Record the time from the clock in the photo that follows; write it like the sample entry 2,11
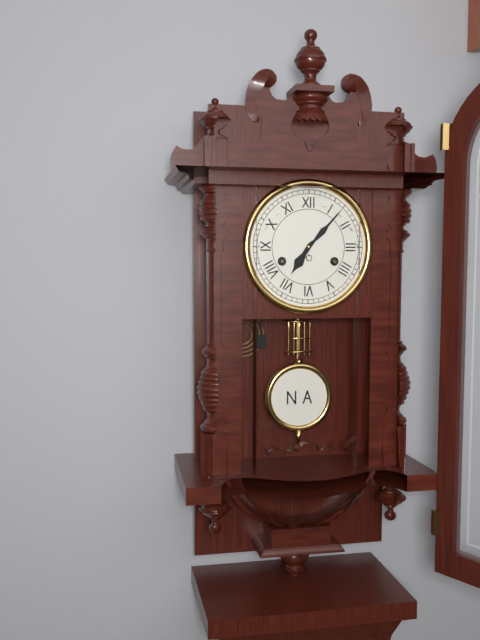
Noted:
7,07
